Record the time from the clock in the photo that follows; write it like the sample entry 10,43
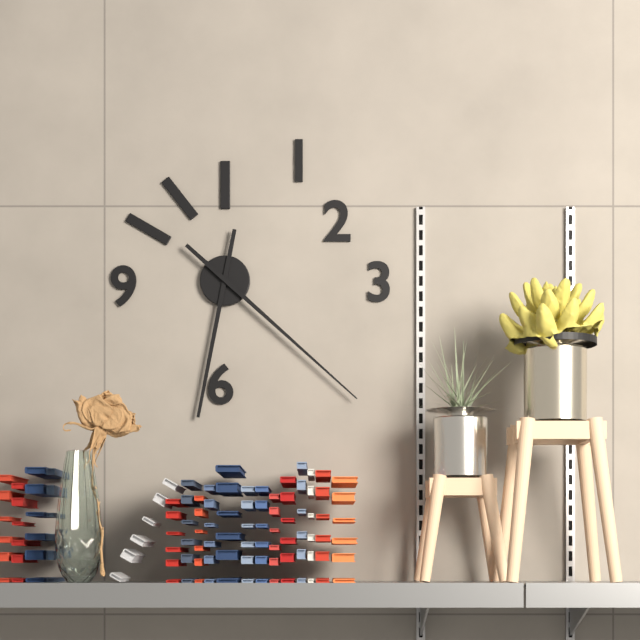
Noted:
6,22
